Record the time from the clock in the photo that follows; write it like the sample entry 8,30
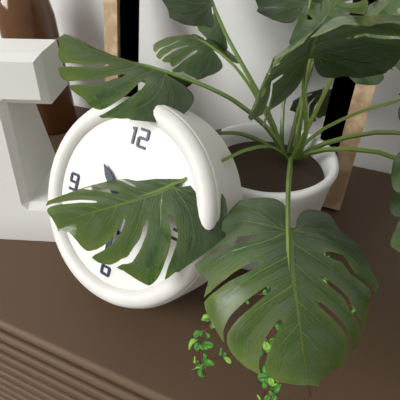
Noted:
10,30
